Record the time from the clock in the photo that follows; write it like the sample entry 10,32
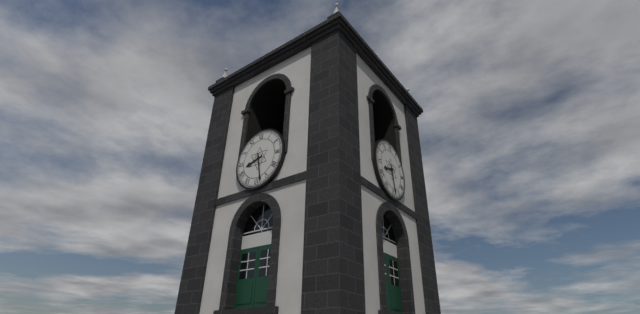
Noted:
8,28
